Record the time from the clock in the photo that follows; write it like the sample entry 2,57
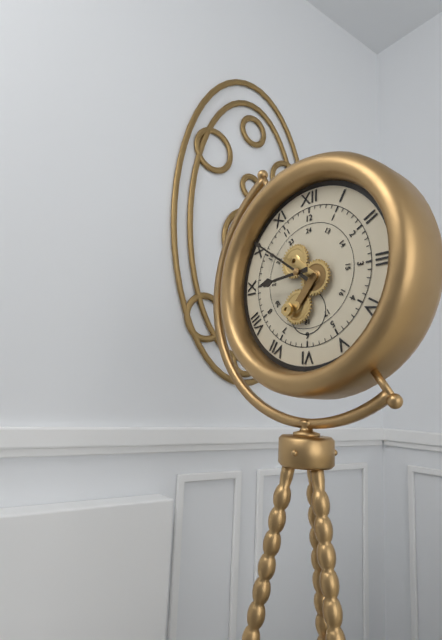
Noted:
8,51
